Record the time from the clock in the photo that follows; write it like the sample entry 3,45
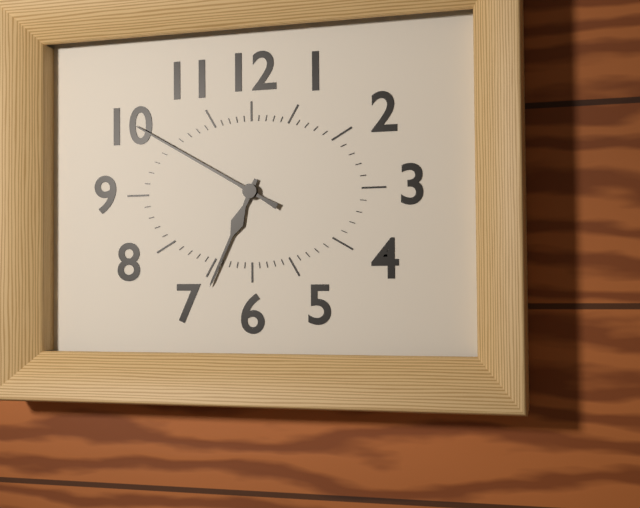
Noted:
6,50
